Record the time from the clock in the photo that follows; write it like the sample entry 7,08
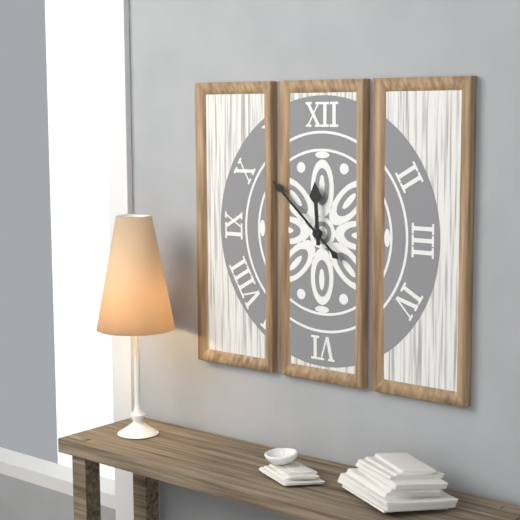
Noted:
11,52
